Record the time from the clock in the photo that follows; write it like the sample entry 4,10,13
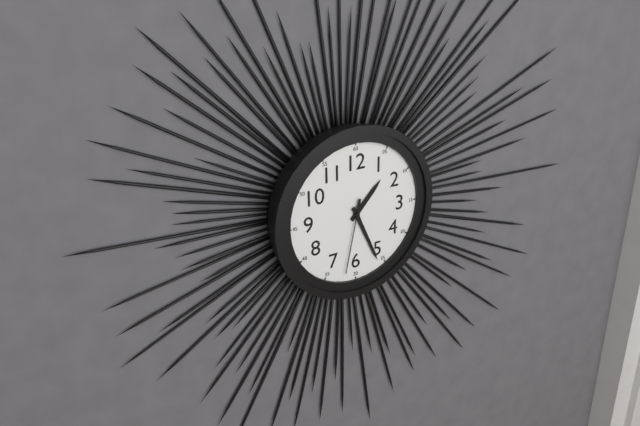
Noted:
1,26,32
